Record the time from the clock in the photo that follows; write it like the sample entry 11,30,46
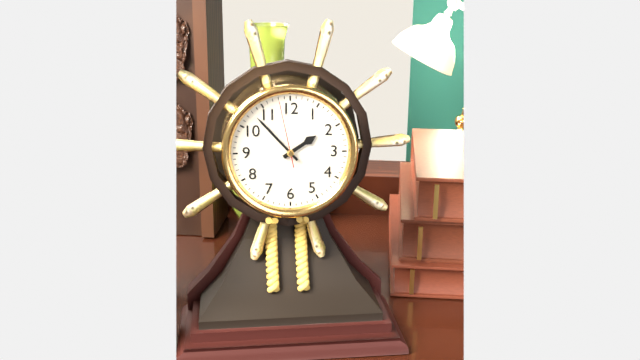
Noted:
1,53,58
